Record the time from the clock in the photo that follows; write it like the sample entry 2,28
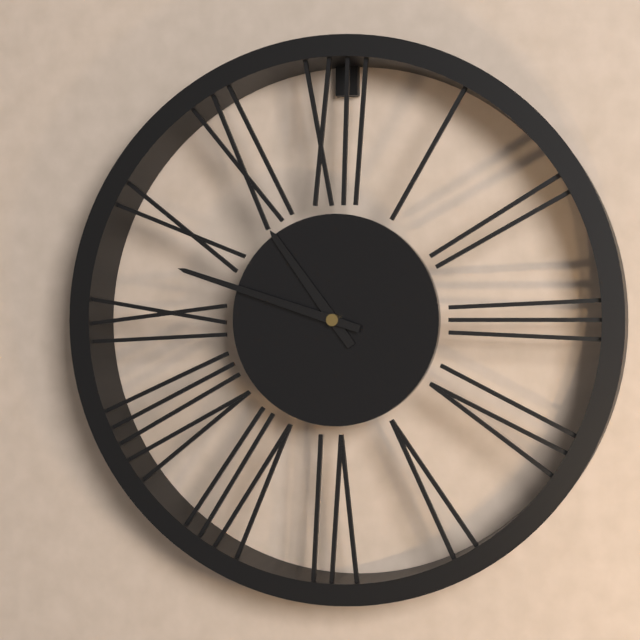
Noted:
10,48
